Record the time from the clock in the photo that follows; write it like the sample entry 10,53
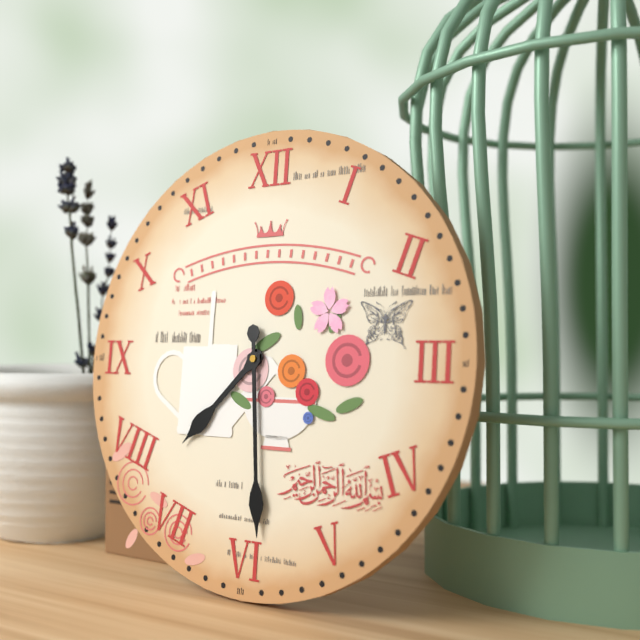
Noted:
7,29
